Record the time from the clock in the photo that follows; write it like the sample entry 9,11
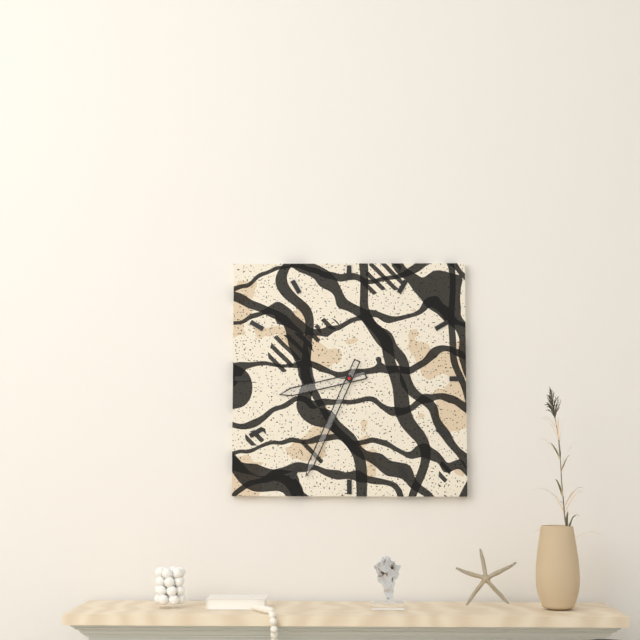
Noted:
8,34
